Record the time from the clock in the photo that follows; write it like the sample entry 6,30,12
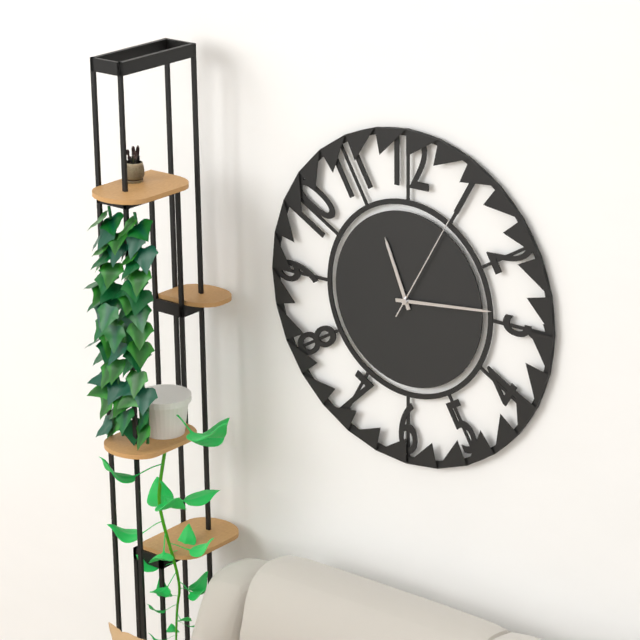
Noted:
11,14,05
